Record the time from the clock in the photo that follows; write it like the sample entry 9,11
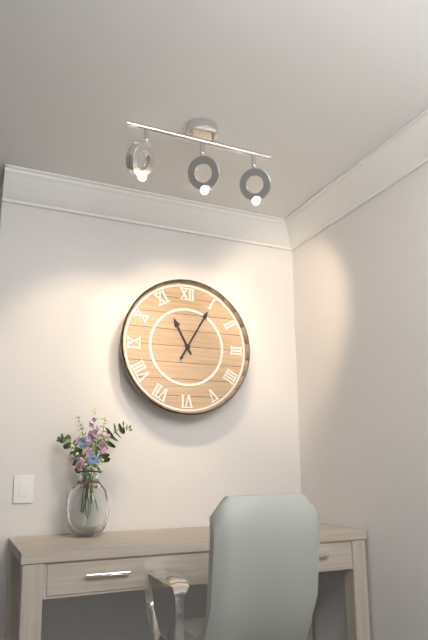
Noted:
11,05
